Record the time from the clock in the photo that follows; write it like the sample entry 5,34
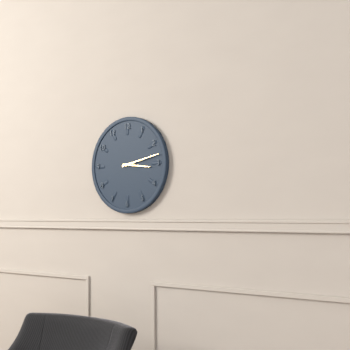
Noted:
3,13
